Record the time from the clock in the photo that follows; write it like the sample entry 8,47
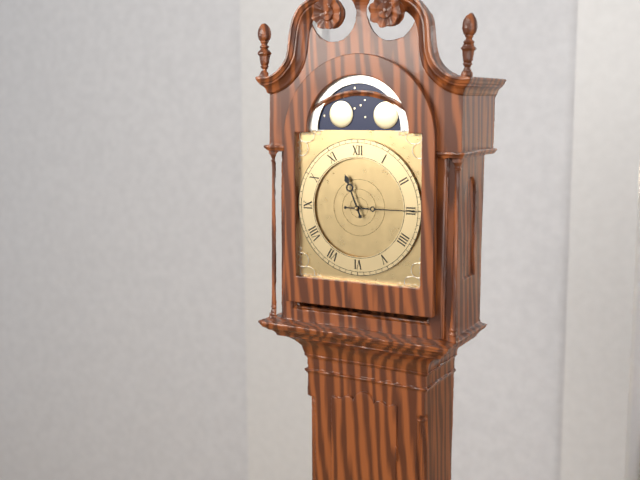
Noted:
11,15
